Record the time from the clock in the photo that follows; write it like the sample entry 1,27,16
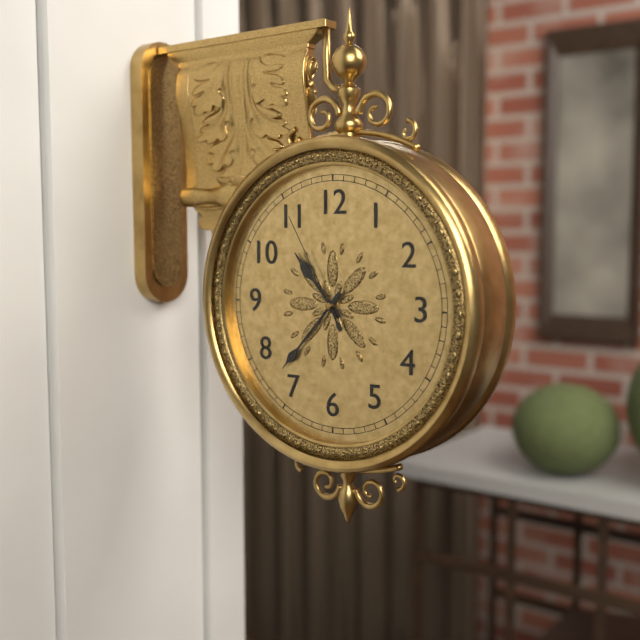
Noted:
10,37,55
